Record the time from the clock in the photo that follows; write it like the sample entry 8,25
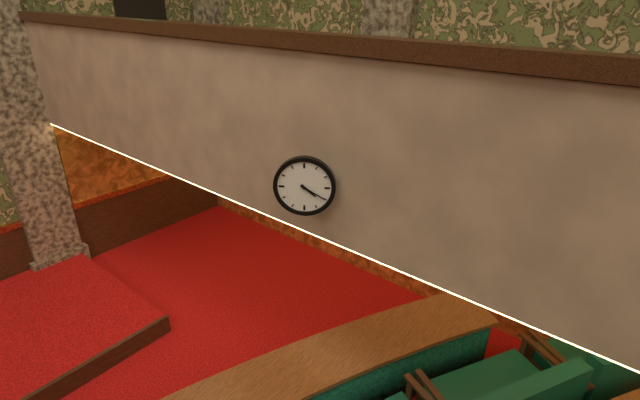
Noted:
4,20
